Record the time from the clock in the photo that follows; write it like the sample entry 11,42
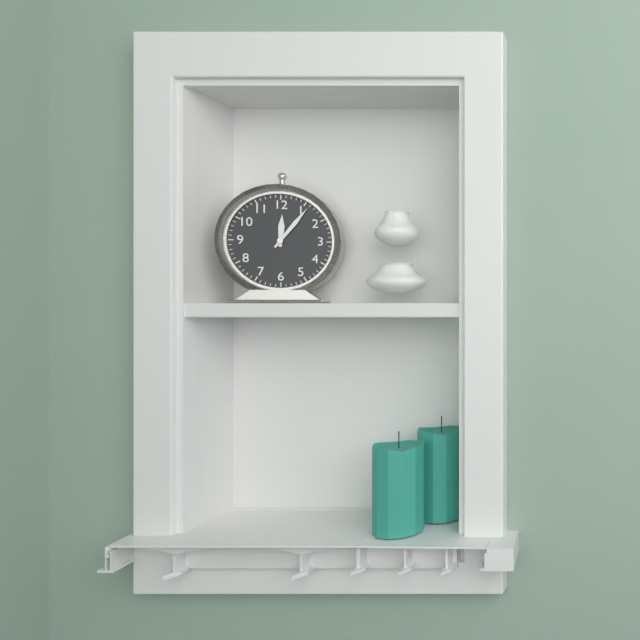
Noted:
12,06
